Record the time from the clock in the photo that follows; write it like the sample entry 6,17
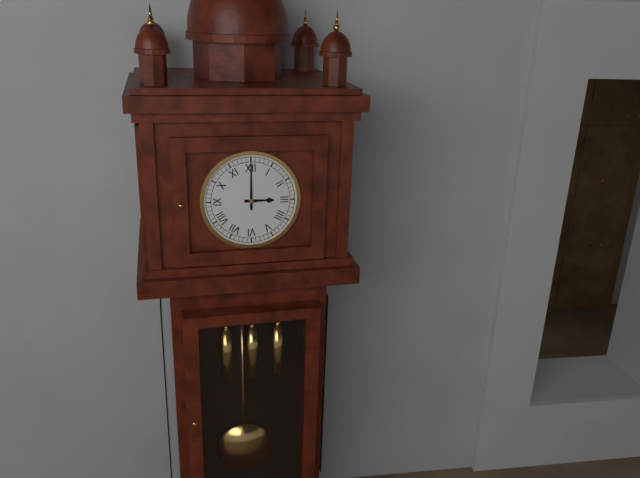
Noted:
3,00
